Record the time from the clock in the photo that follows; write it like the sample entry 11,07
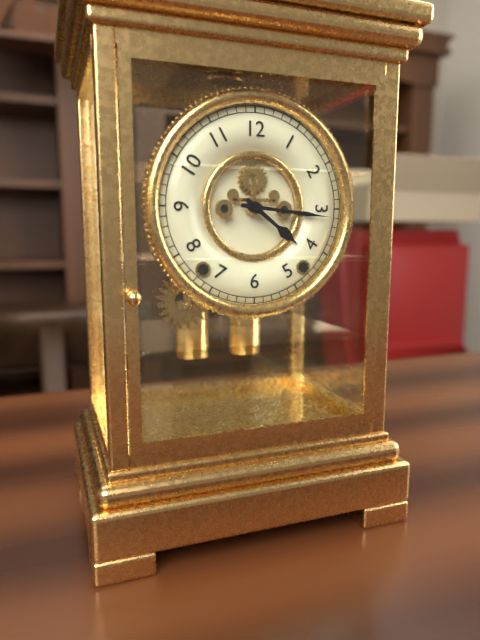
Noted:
4,16
